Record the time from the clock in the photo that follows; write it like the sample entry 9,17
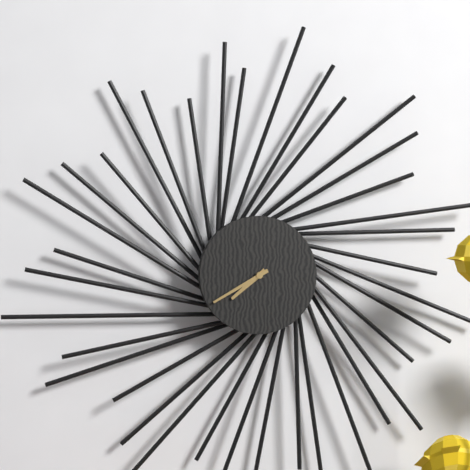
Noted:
7,40
